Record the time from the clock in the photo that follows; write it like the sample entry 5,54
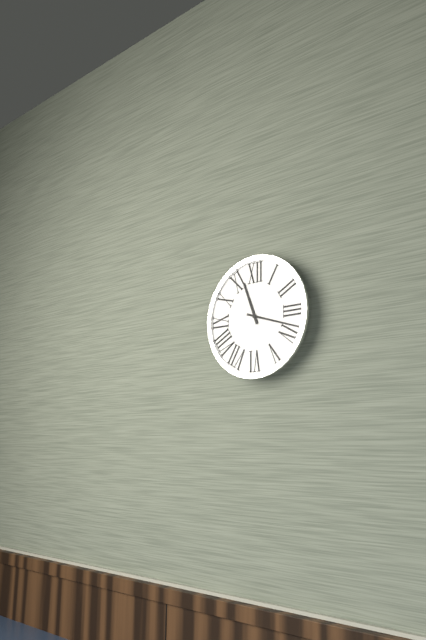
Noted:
11,18
